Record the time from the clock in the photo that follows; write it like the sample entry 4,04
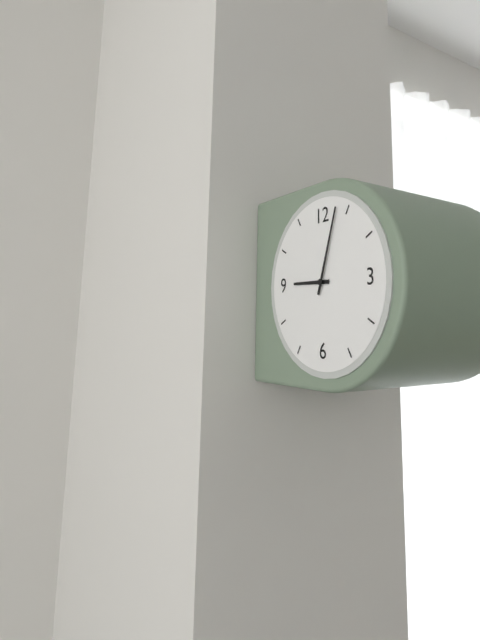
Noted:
9,03
